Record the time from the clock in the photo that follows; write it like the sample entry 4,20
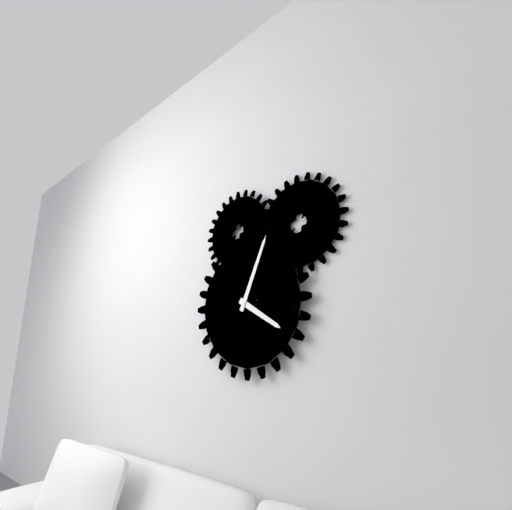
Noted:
4,04
